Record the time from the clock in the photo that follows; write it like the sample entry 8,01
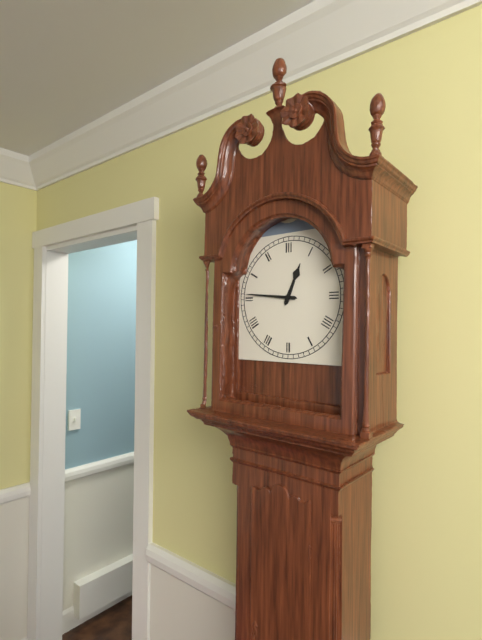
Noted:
12,46
